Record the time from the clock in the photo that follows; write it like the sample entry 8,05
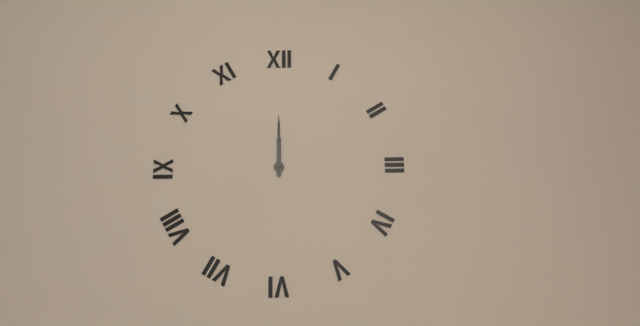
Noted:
12,00
